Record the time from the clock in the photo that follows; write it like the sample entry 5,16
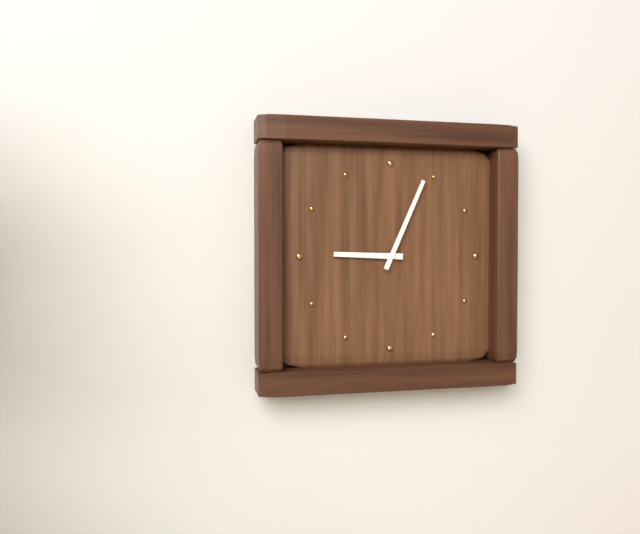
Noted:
9,04
